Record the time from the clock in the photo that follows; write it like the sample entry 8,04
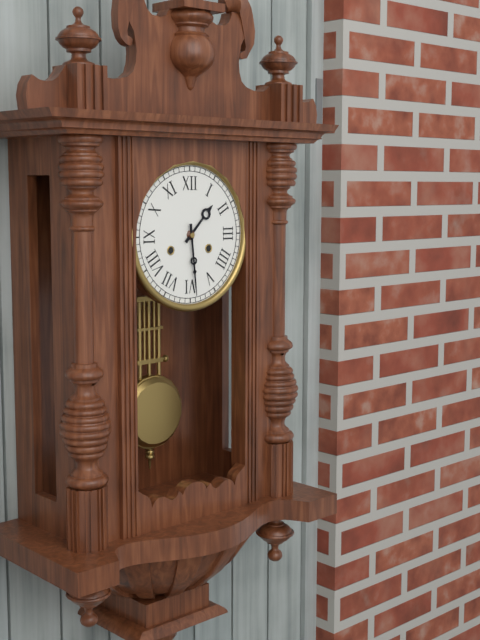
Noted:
1,29
